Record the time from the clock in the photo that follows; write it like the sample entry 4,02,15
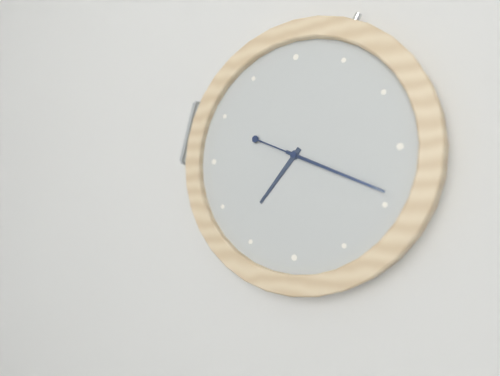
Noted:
7,19,19
